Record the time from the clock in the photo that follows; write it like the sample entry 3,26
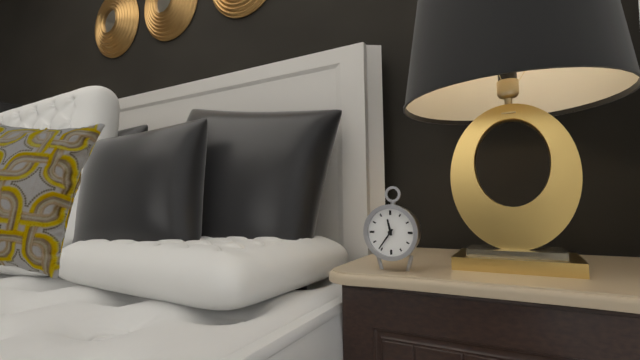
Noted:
11,36
